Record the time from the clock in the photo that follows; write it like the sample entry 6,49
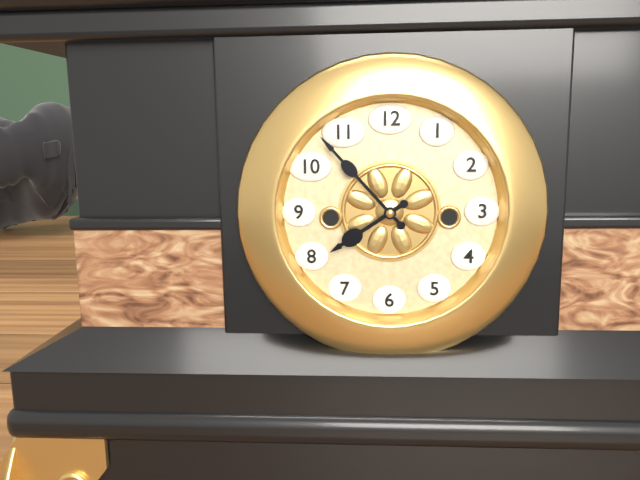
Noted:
7,53
